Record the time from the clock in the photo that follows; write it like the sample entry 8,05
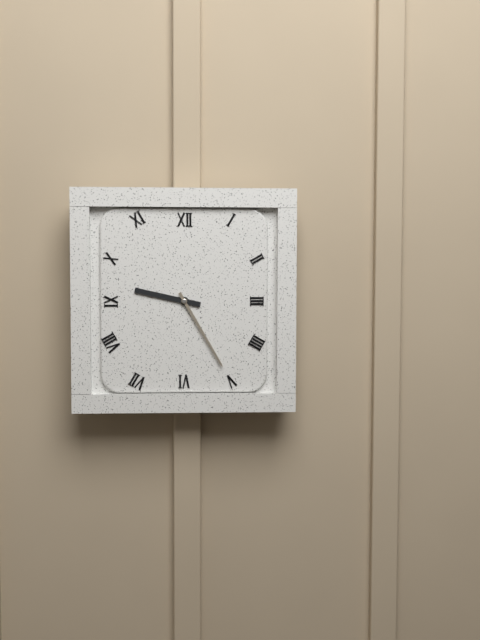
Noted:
9,25
